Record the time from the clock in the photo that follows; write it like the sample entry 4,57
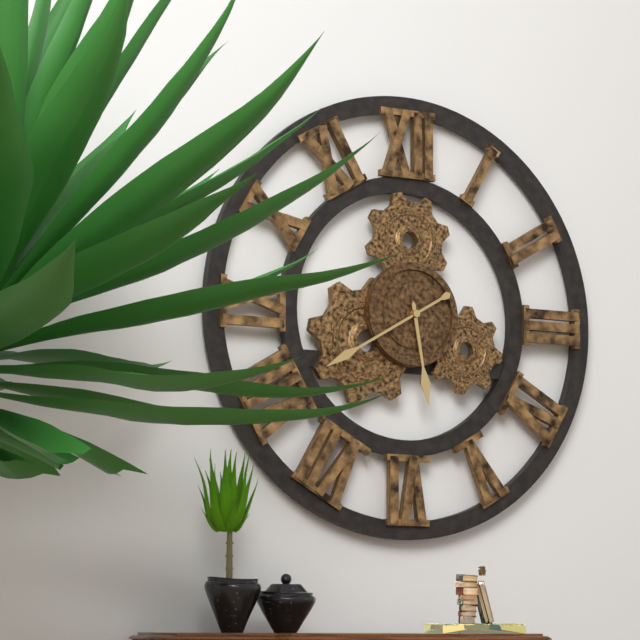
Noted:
5,40
